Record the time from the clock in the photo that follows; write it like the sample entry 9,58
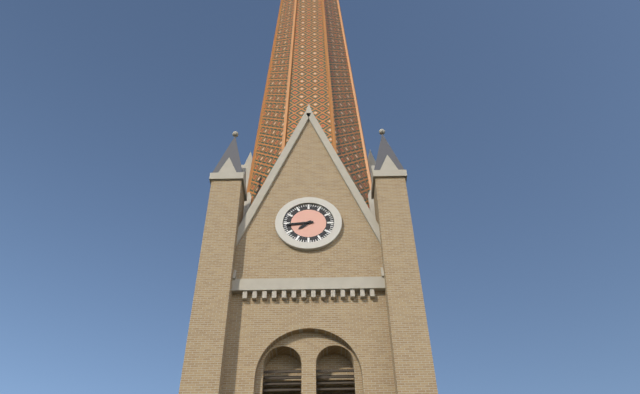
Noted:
7,44
